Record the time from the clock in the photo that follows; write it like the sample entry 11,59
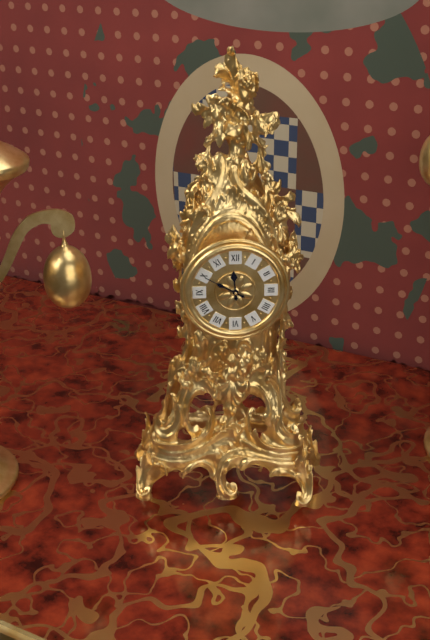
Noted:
11,50
